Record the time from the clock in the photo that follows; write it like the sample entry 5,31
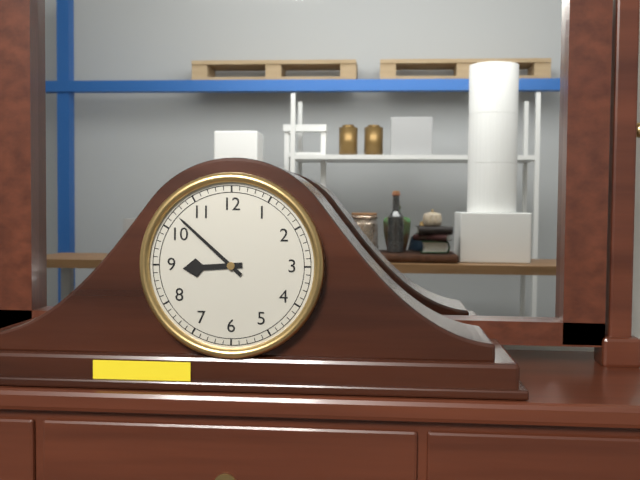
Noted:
8,52
